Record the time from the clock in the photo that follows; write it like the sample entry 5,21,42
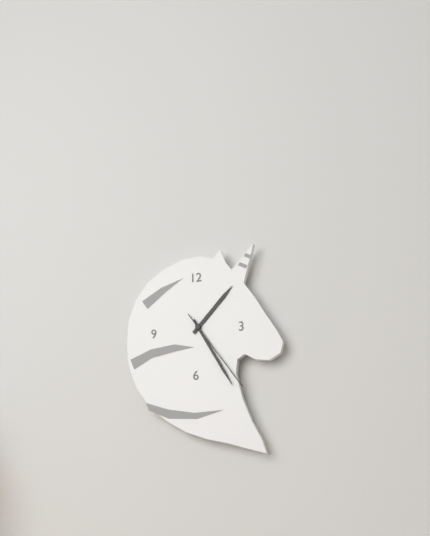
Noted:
1,25,24
